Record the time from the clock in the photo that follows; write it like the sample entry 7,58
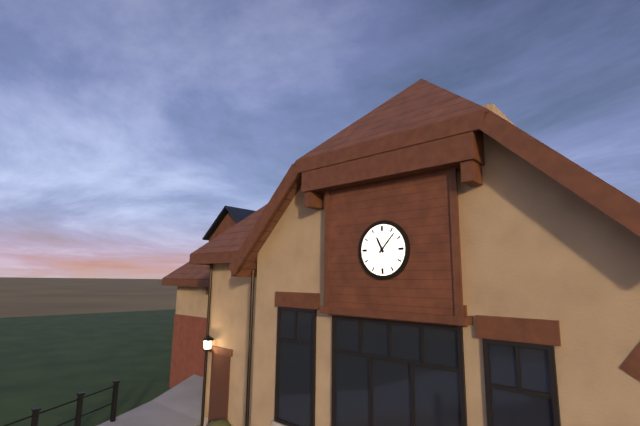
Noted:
11,07
